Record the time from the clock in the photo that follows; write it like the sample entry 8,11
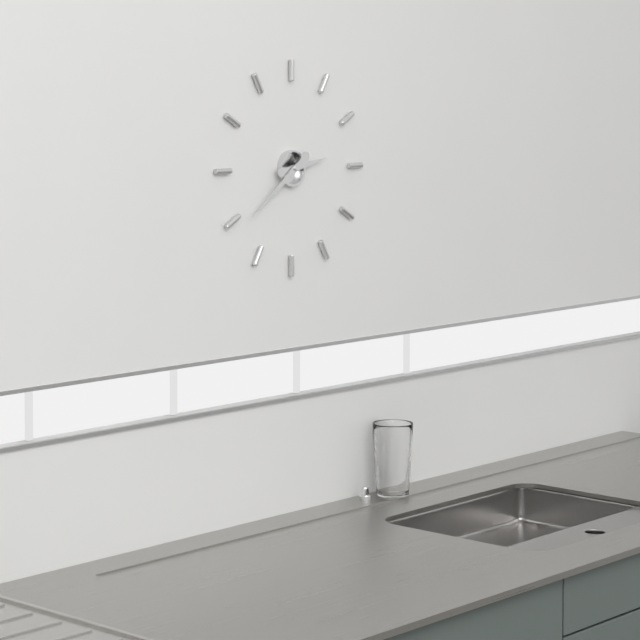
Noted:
2,39
